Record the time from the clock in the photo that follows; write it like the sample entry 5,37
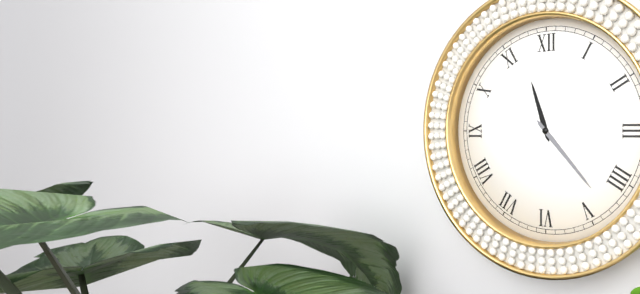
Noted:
11,23
